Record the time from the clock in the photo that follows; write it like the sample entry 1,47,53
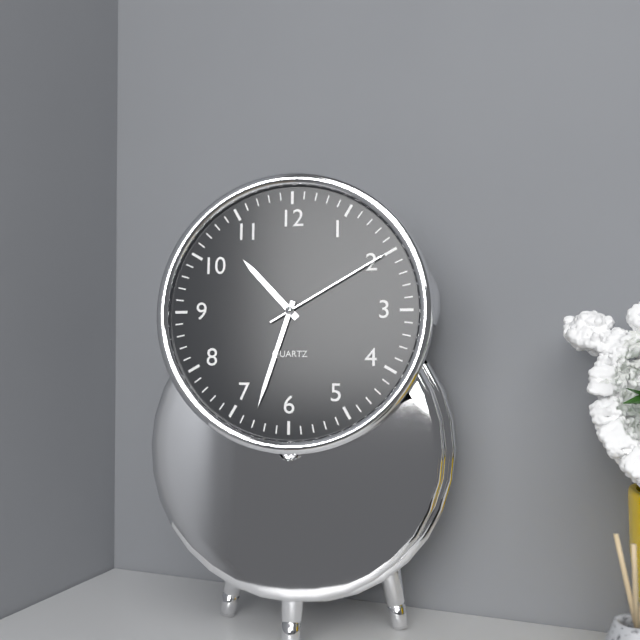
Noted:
10,33,10
